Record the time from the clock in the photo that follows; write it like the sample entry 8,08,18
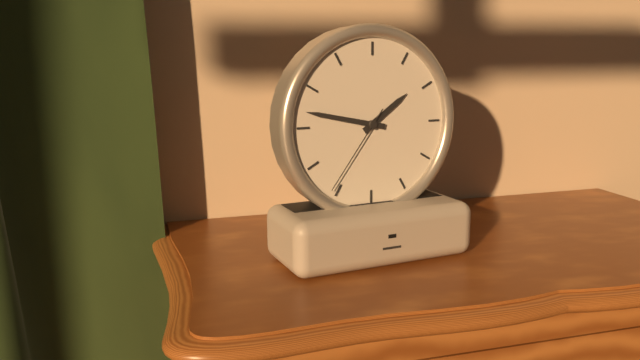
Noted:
1,47,36
